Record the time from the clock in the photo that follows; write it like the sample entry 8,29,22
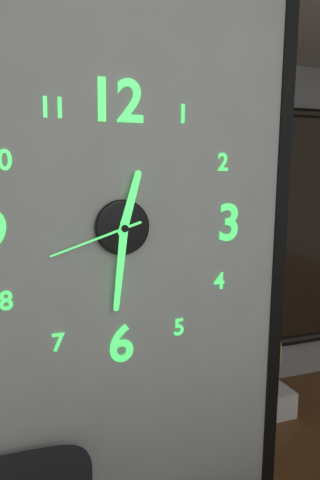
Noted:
12,31,42
